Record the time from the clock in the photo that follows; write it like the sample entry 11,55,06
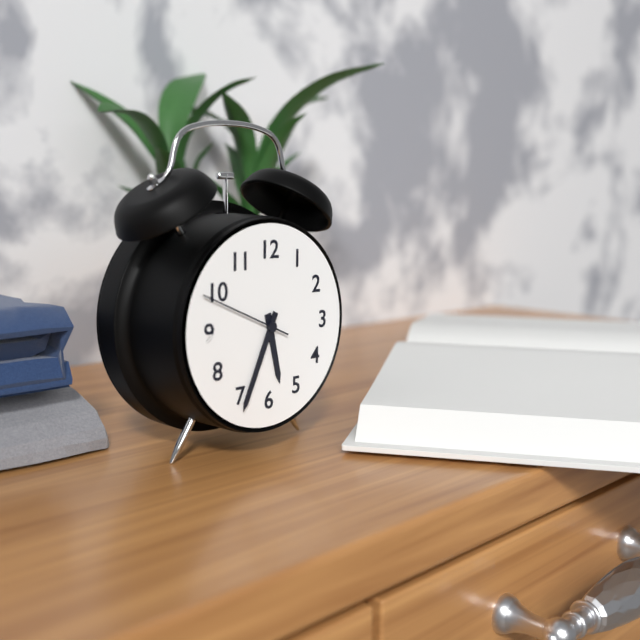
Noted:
5,34,49
